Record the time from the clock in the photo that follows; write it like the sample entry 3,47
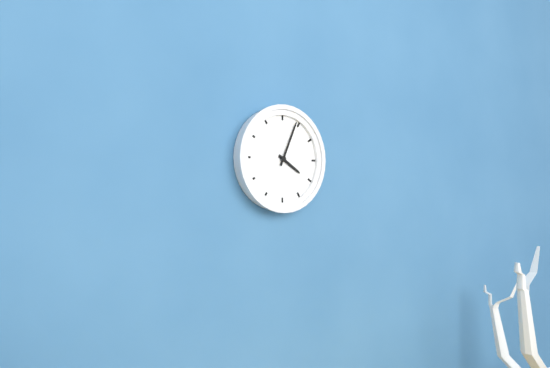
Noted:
4,04
